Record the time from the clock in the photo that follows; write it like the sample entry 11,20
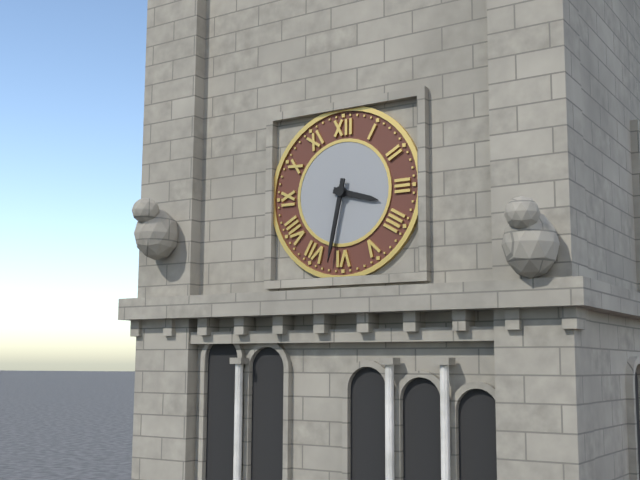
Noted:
3,32
